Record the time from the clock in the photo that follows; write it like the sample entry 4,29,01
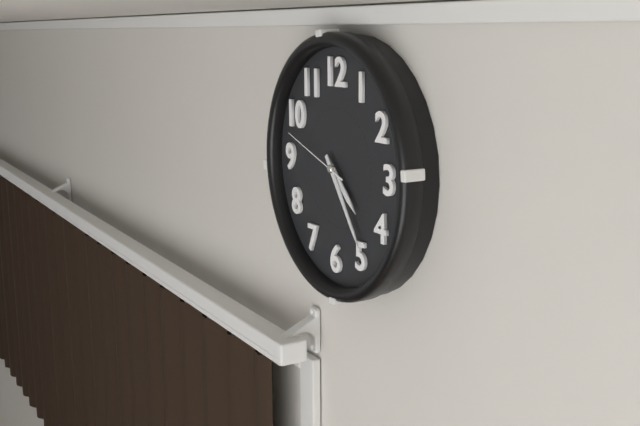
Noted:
4,24,48
